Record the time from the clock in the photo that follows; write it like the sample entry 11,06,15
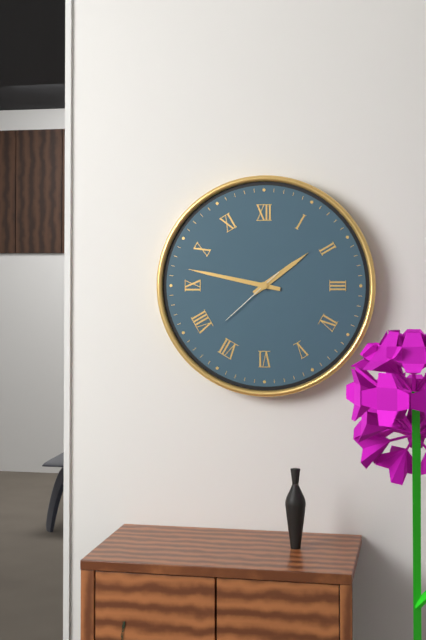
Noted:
1,47,38
